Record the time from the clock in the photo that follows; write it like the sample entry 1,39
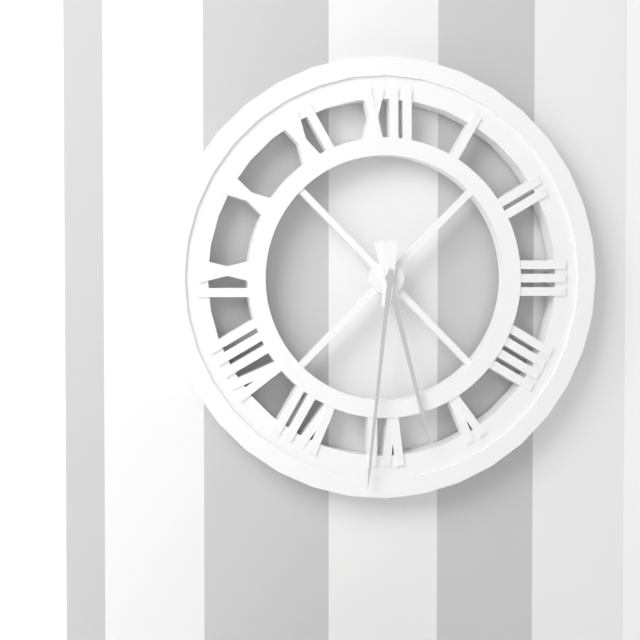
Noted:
5,31
